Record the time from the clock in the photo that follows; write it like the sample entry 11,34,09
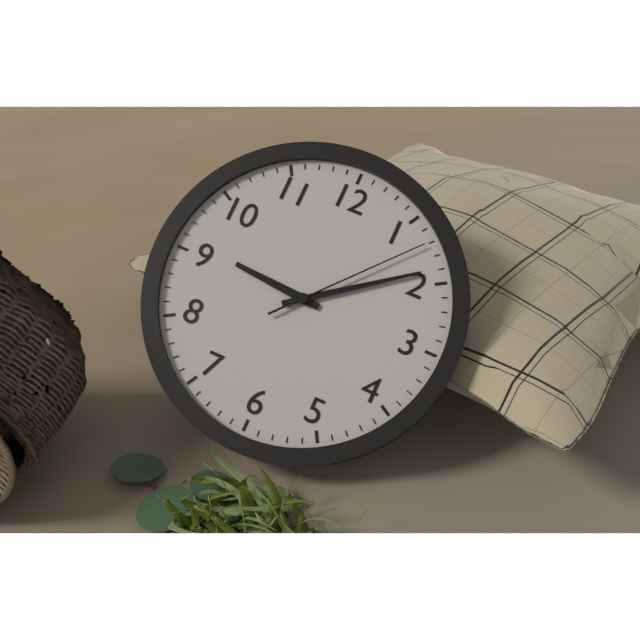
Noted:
9,09,07
